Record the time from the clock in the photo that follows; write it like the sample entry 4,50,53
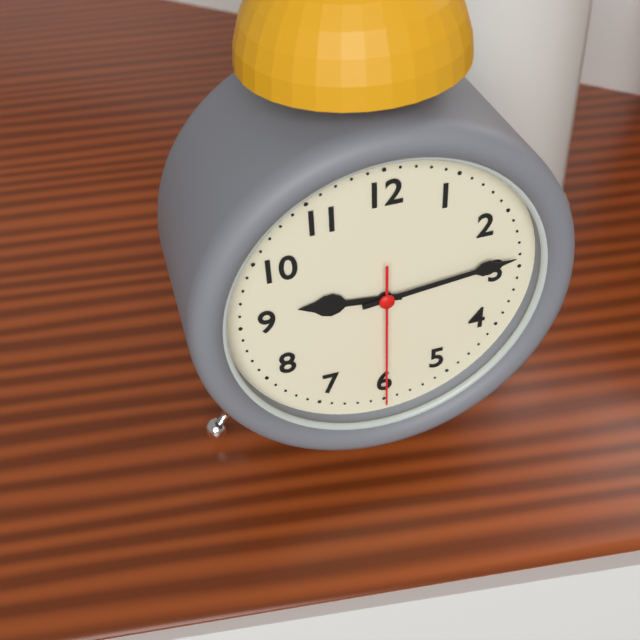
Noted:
9,14,30
